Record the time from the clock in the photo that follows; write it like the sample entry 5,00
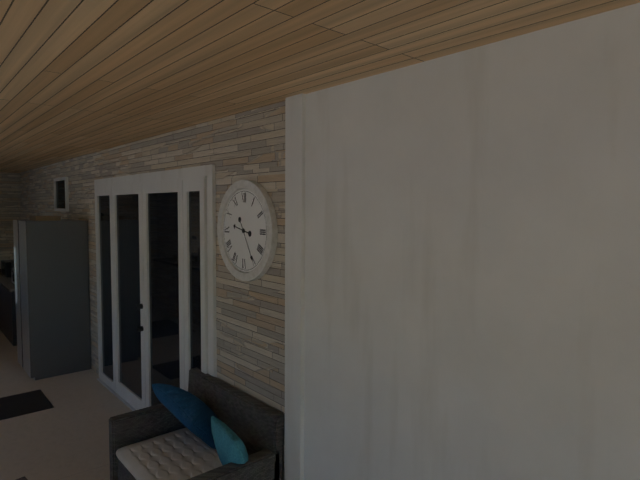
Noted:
9,25
